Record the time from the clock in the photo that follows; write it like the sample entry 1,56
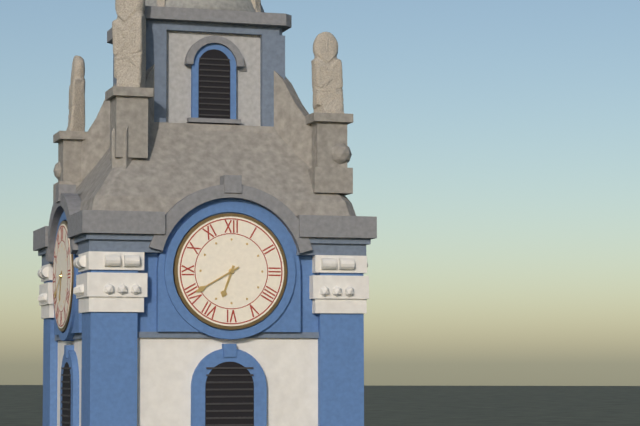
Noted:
6,40
